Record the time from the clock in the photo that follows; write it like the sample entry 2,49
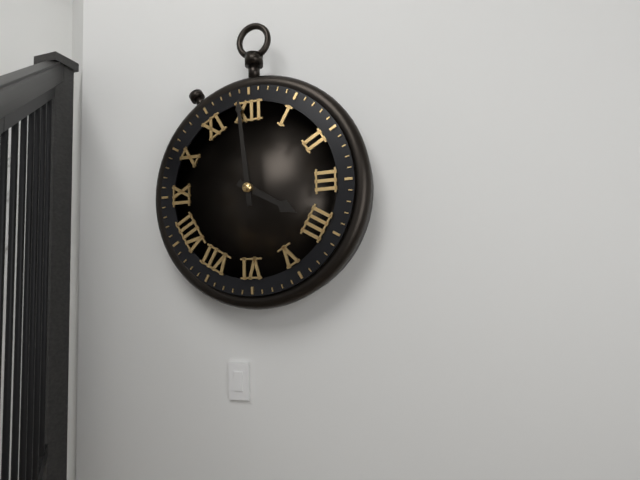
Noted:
3,59
